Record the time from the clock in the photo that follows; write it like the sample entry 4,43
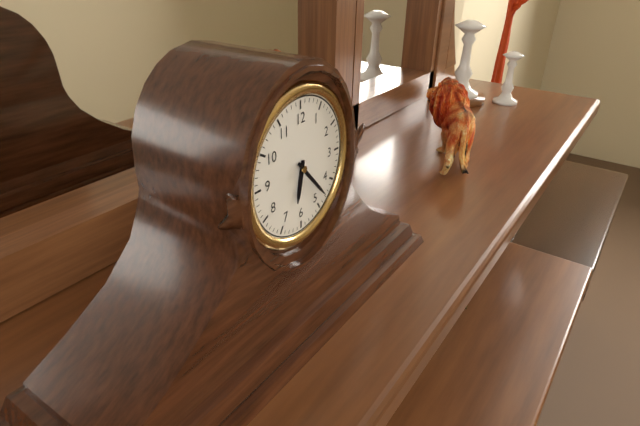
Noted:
6,23
